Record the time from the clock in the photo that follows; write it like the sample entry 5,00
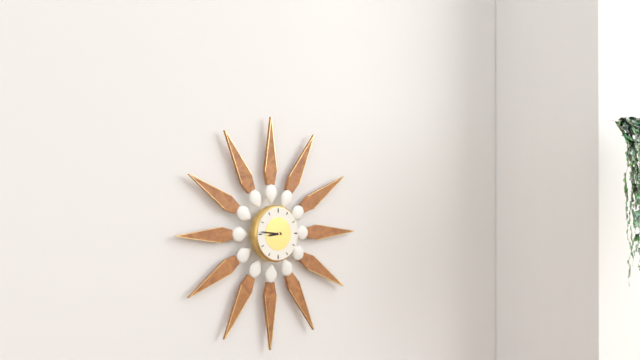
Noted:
8,46
